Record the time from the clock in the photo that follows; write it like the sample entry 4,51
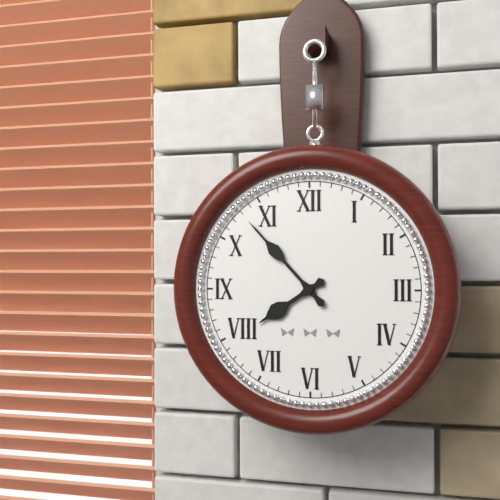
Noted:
7,53
